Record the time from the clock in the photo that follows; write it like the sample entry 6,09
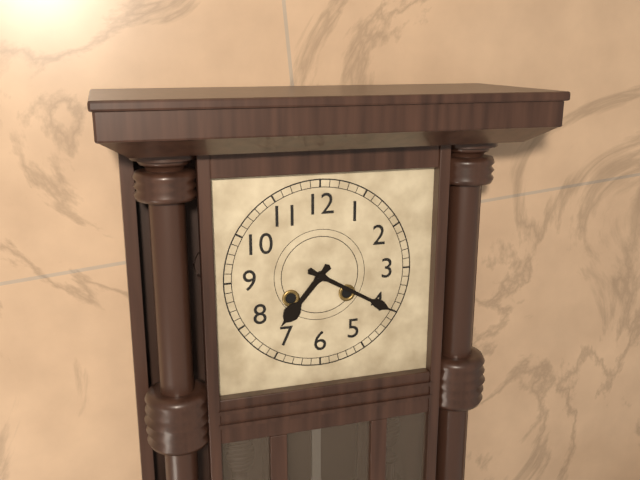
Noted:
7,20
